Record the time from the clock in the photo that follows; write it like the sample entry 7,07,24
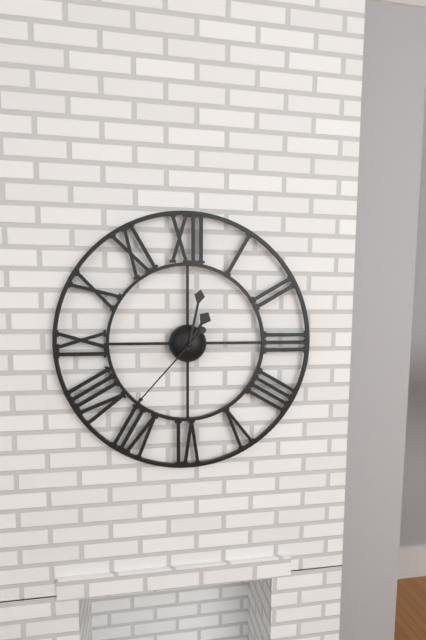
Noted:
1,02,37
